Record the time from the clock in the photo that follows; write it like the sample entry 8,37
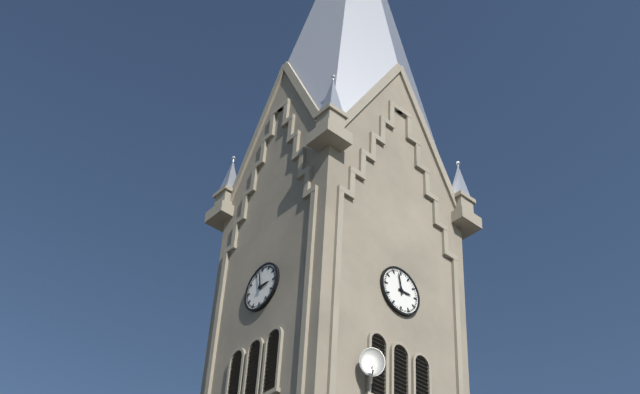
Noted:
2,58
